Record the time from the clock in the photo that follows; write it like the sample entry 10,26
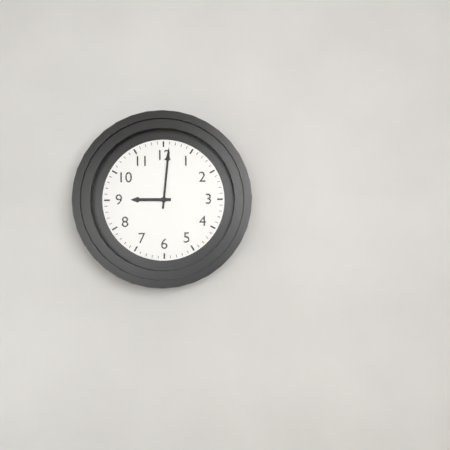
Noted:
9,01
